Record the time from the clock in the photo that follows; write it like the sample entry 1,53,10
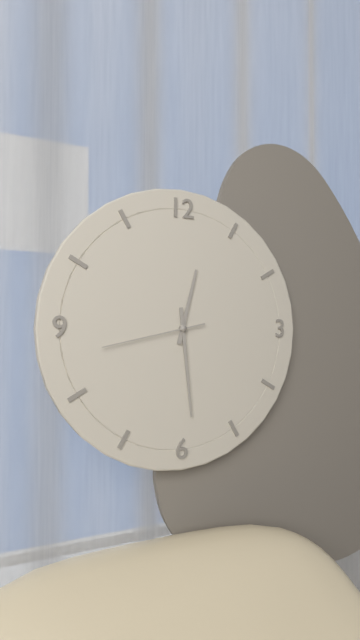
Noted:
12,29,43
